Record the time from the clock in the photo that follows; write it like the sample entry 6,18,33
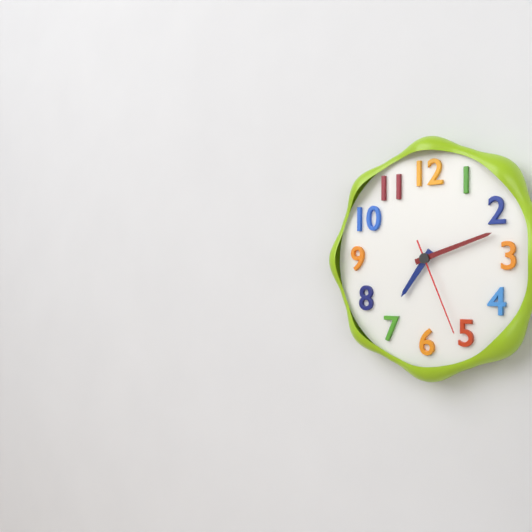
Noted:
7,12,26
